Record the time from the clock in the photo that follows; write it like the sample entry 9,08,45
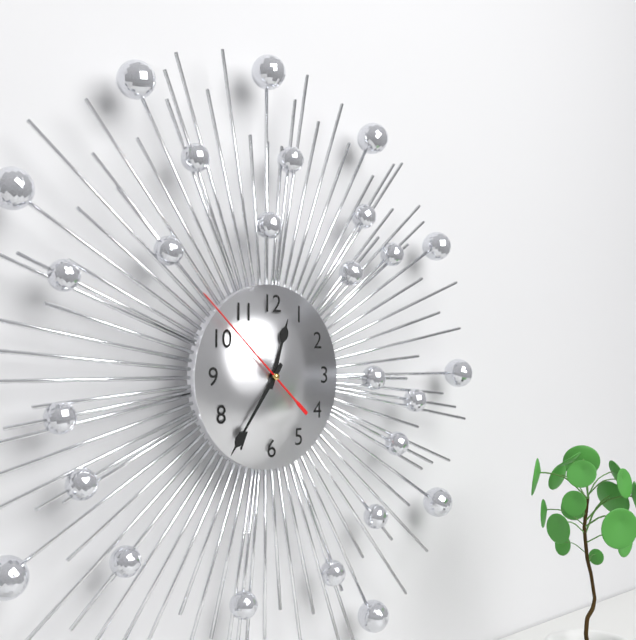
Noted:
12,36,52
